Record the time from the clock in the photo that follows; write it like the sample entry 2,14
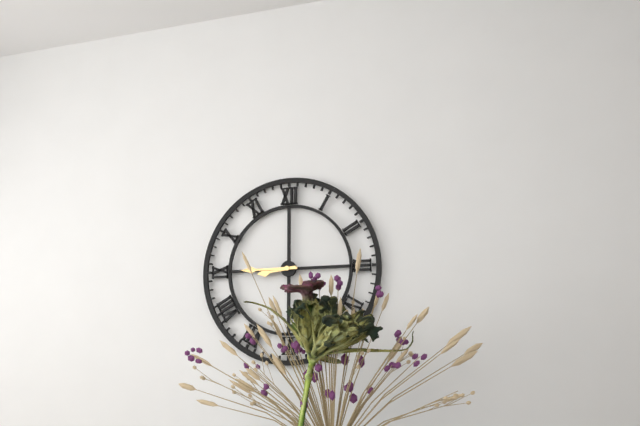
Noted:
8,45
